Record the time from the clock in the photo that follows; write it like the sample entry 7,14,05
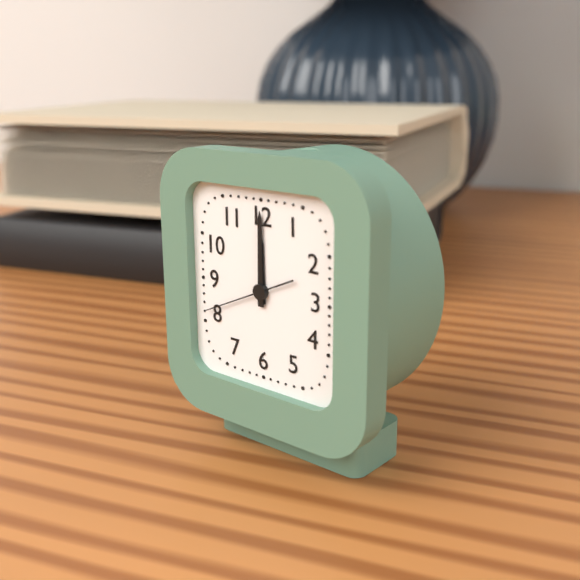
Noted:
12,00,41
